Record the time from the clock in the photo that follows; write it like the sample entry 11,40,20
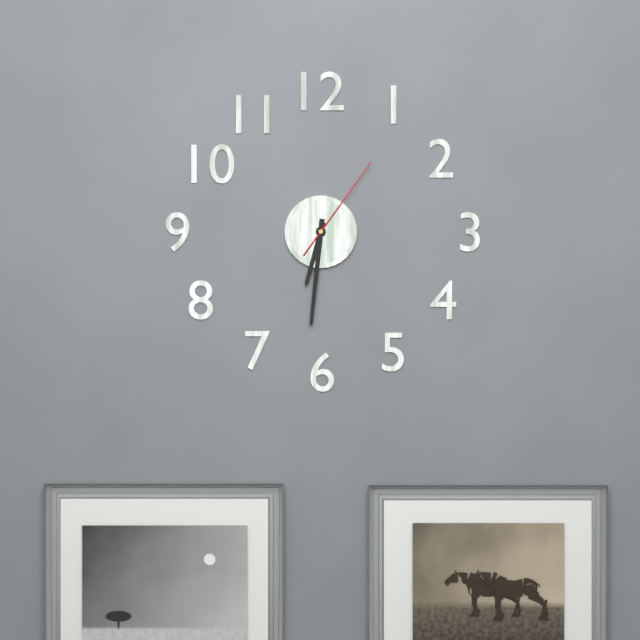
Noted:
6,31,06
